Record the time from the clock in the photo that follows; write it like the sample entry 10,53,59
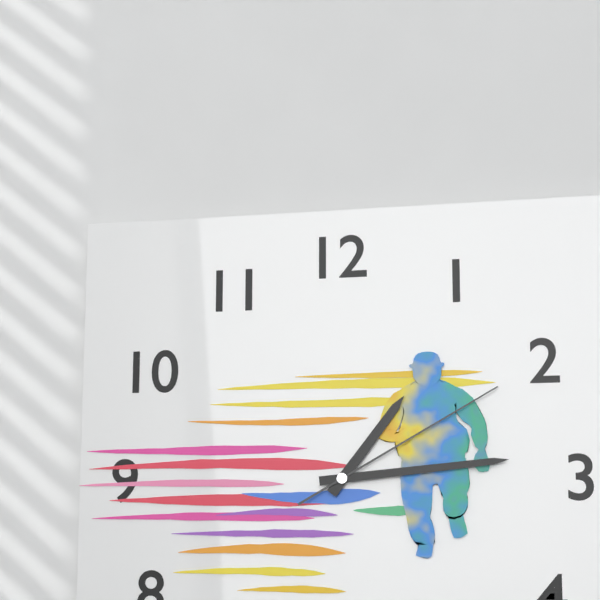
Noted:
1,14,10
